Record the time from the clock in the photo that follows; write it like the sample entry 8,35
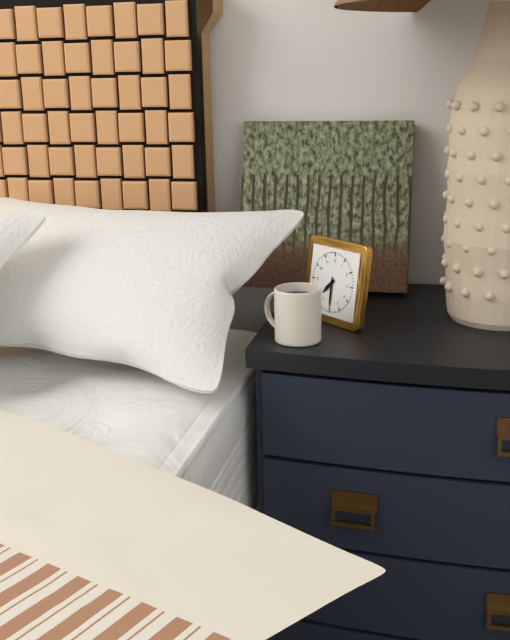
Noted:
7,30
